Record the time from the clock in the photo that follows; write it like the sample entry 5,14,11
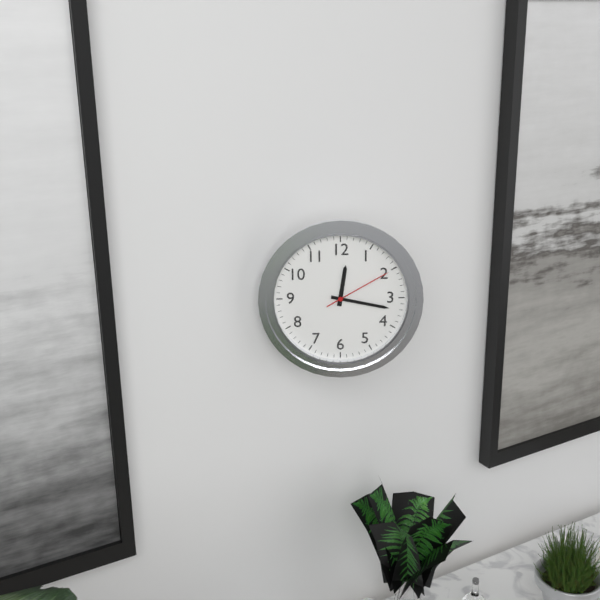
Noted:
12,17,10
